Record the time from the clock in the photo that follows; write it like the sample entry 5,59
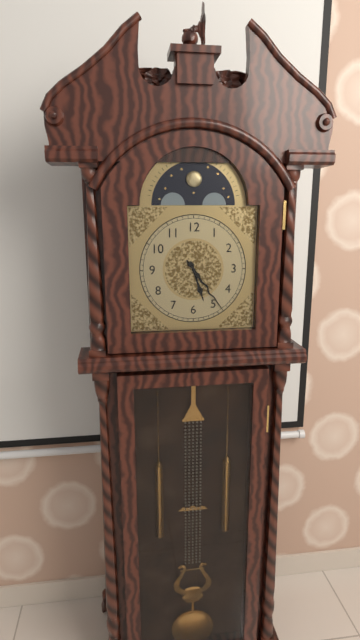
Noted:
5,24
